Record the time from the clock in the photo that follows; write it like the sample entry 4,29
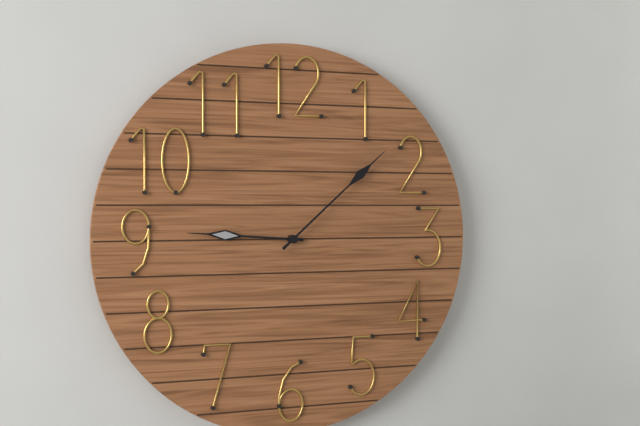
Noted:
9,08
